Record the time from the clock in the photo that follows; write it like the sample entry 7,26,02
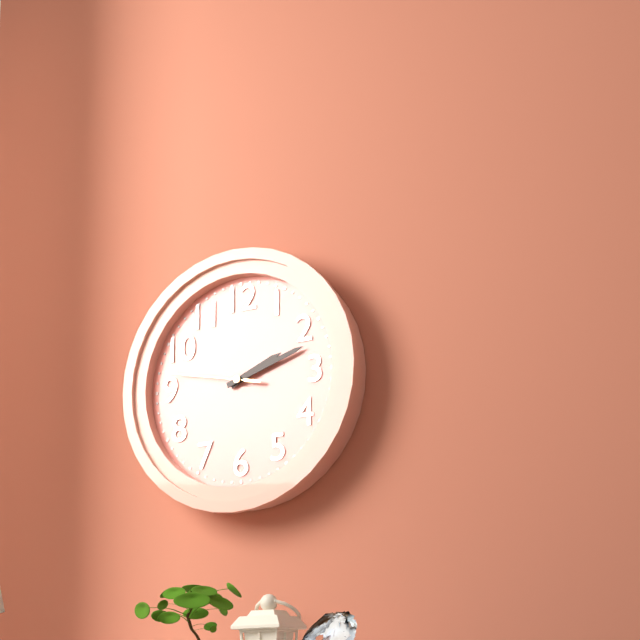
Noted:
2,12,47
